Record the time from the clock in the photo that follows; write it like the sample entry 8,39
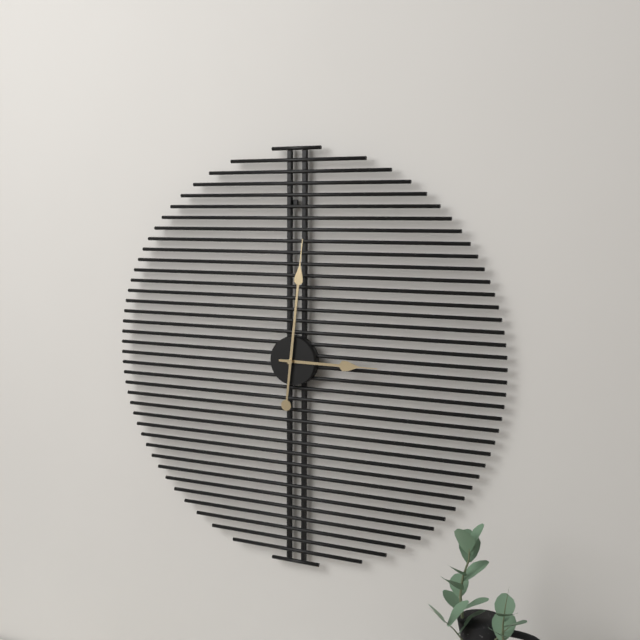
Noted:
3,01
